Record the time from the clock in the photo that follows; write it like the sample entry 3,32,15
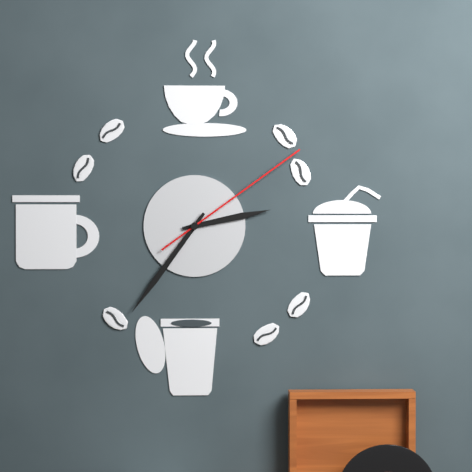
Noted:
2,36,09
